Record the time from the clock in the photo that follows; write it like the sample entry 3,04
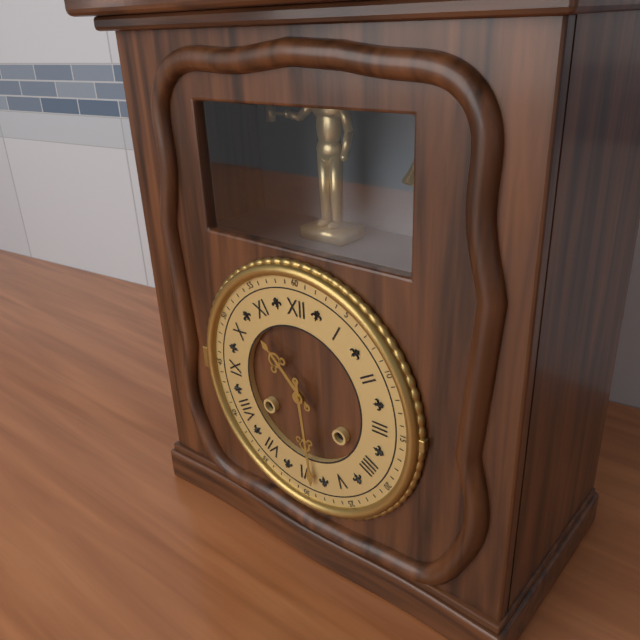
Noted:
10,29
